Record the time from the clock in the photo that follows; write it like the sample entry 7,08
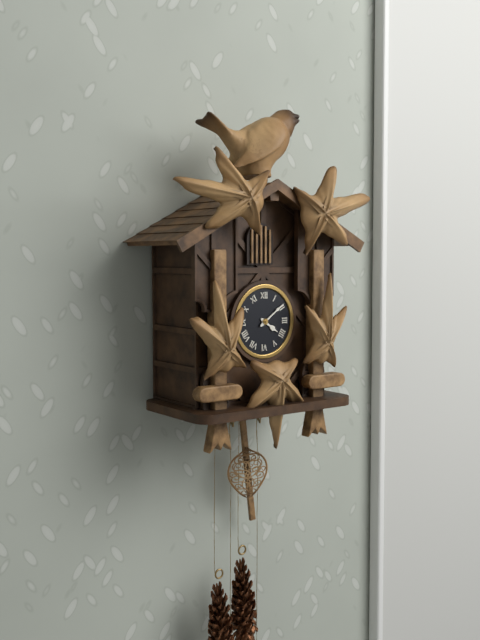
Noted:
4,09
